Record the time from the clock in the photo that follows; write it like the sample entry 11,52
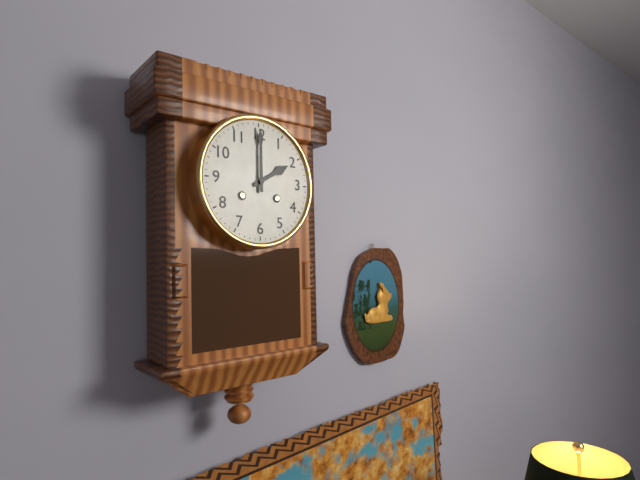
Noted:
2,00
